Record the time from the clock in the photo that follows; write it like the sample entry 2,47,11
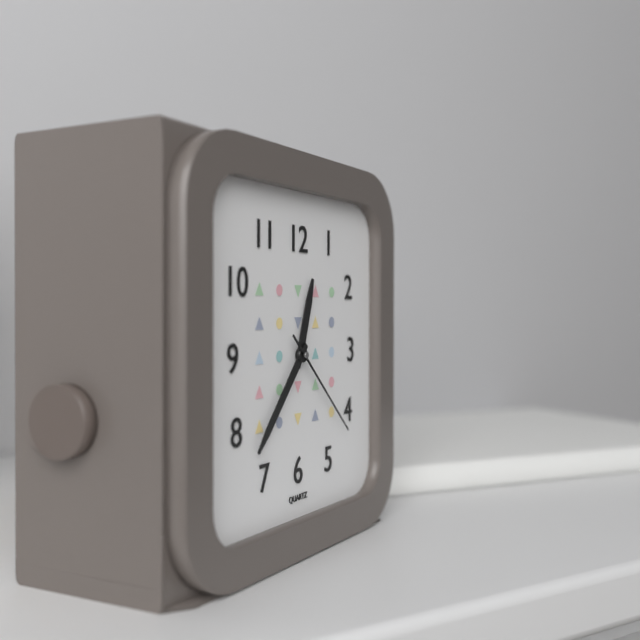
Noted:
12,37,22
